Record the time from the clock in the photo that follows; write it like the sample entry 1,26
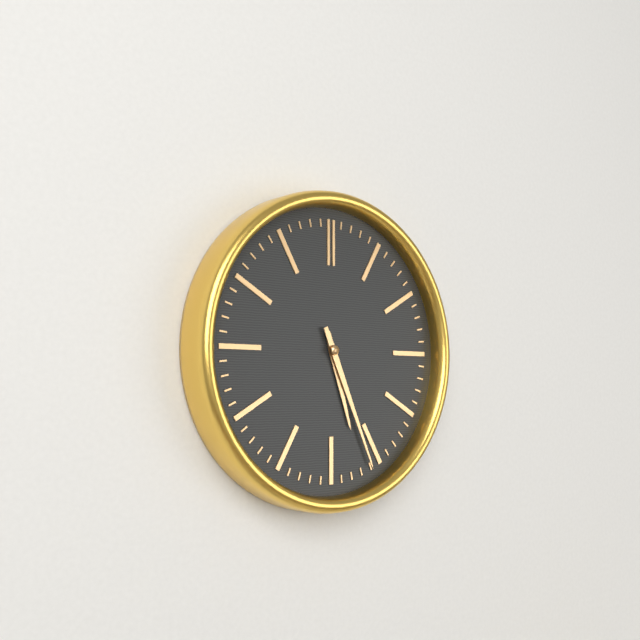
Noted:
5,26
